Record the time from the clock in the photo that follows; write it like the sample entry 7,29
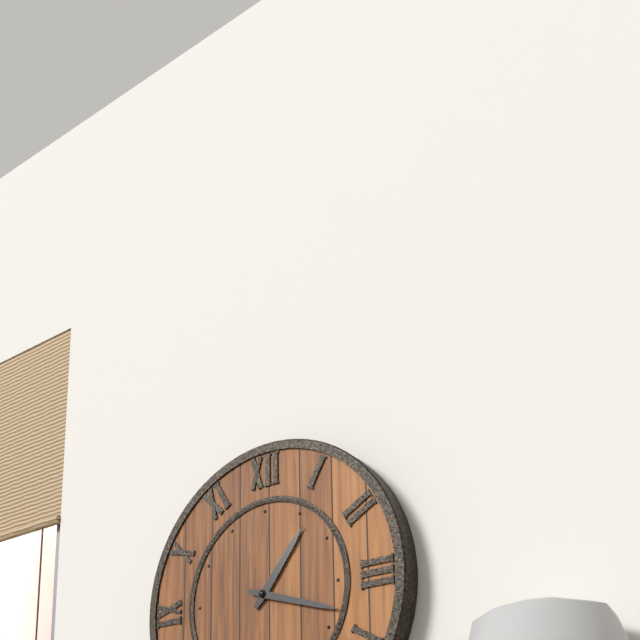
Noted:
1,18
